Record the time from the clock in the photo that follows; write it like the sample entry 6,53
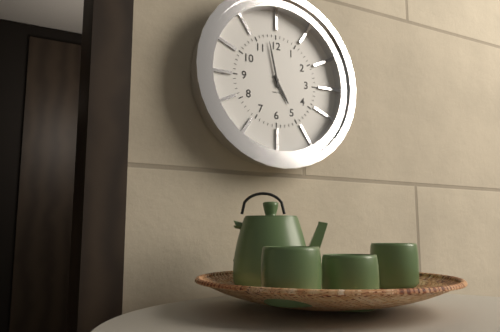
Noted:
4,58
